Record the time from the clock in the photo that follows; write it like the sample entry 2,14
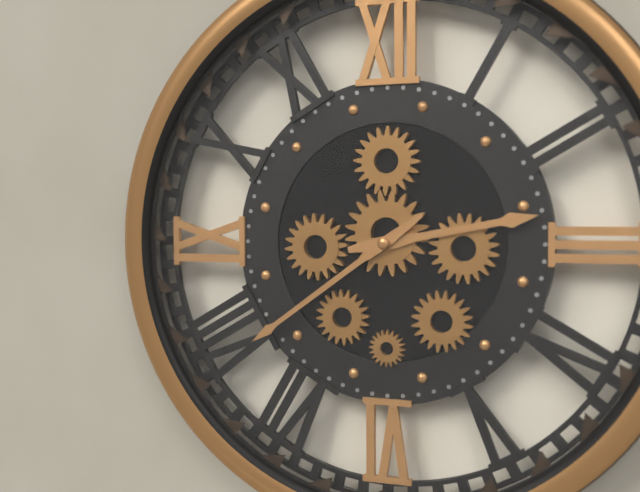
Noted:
2,39
